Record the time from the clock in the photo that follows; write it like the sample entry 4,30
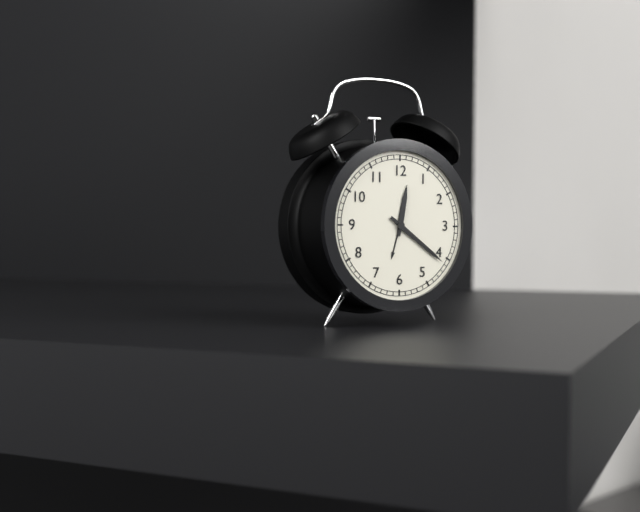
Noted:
12,21
